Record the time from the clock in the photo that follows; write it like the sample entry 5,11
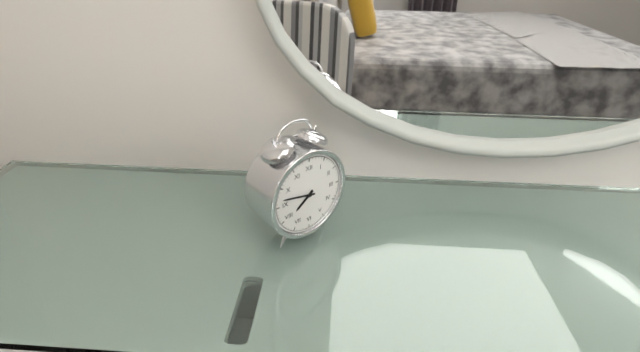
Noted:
7,47
